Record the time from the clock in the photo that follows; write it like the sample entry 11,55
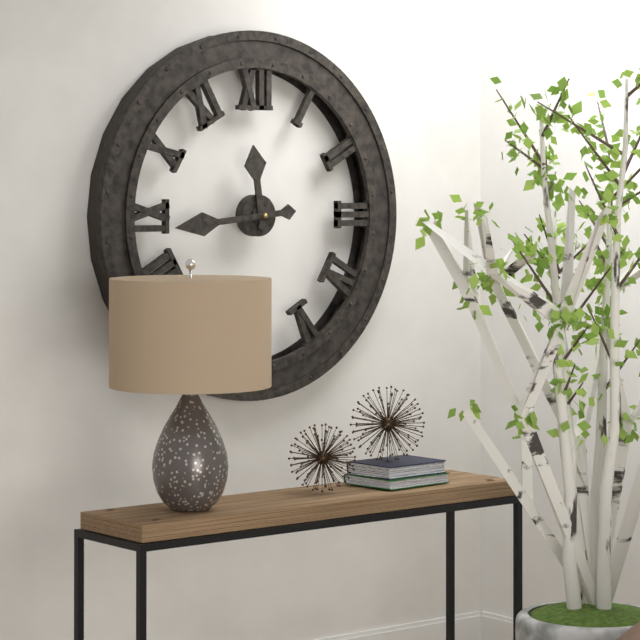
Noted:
11,44
